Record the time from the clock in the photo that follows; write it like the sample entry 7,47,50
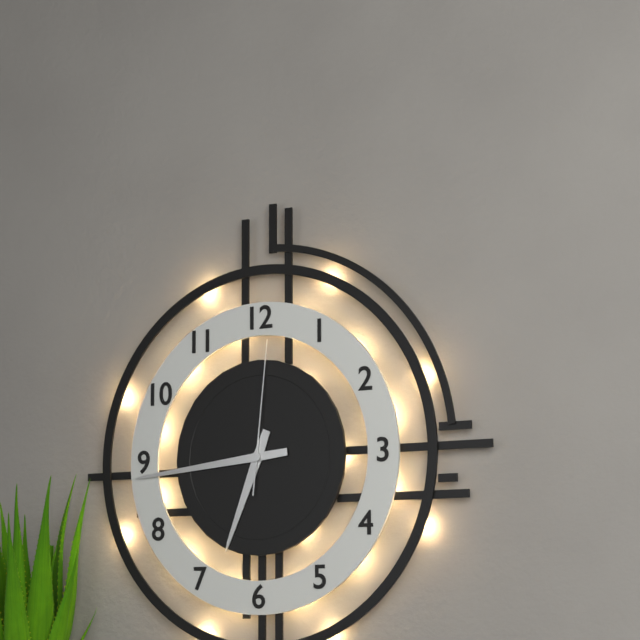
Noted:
6,44,01
